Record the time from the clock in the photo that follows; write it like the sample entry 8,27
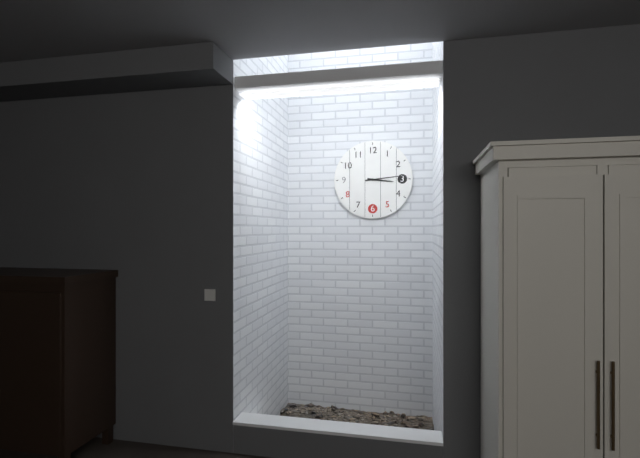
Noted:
3,14
